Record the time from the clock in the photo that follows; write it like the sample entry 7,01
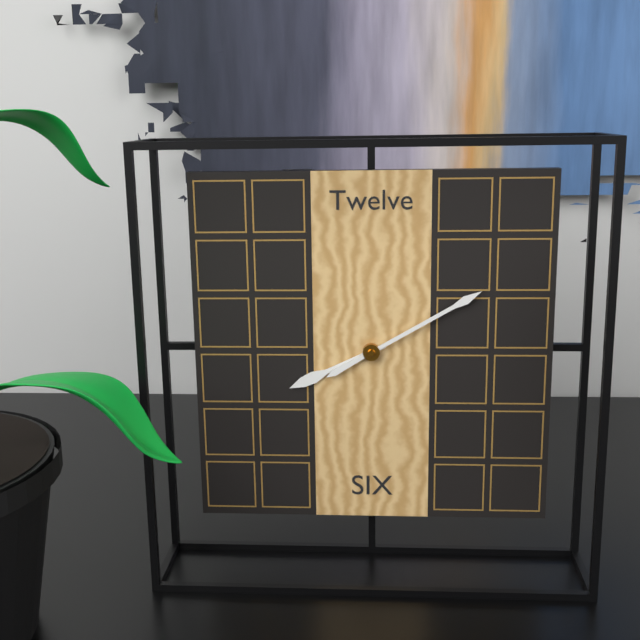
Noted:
8,10
